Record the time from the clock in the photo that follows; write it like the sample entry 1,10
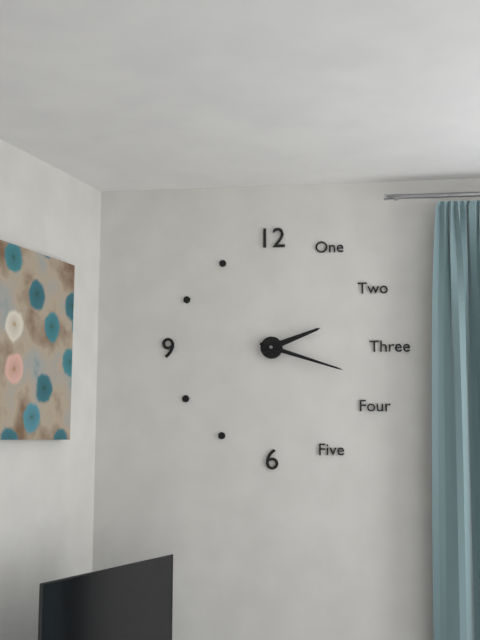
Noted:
2,18
